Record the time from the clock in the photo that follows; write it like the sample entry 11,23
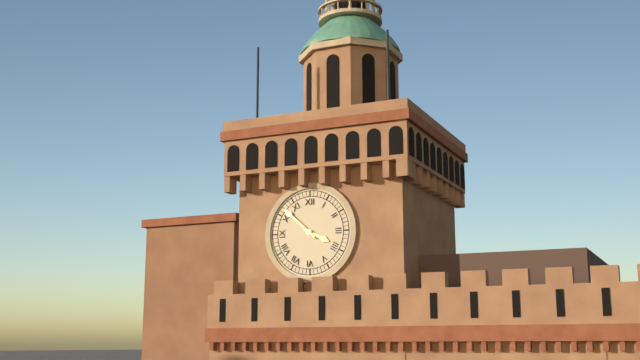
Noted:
3,52
